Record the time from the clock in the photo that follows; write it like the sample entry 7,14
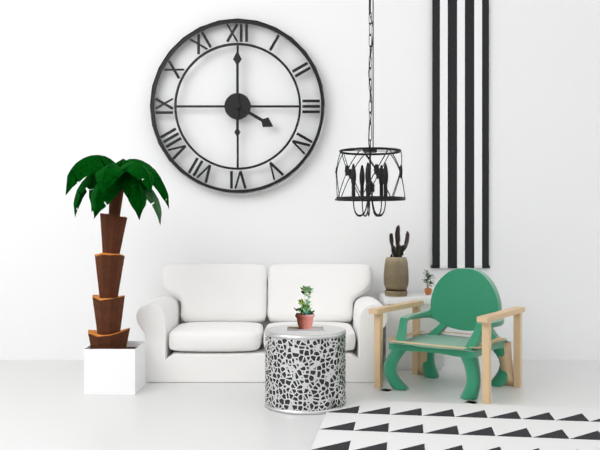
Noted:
4,00
